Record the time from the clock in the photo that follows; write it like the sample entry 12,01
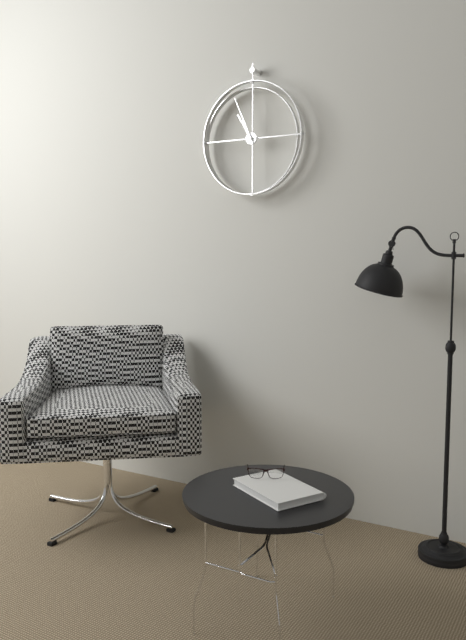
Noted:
10,56
